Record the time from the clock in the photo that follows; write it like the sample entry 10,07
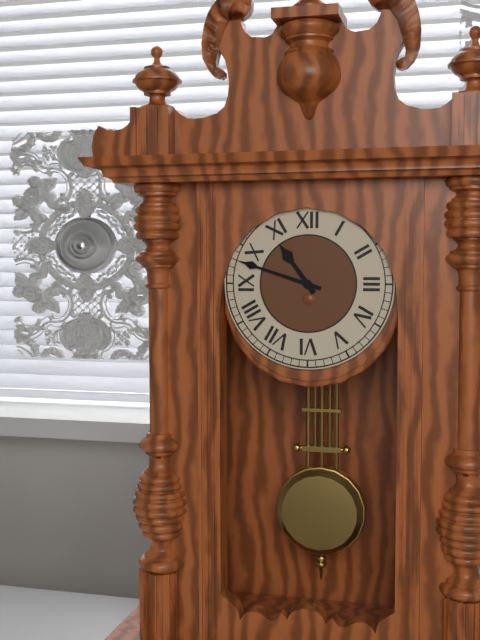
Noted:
10,48
